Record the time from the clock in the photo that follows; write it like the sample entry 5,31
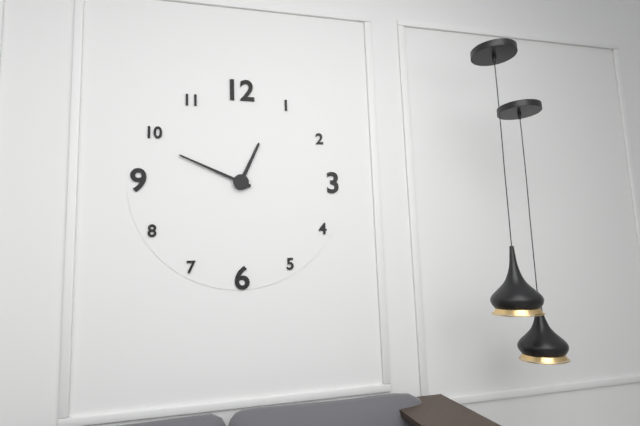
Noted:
12,49
